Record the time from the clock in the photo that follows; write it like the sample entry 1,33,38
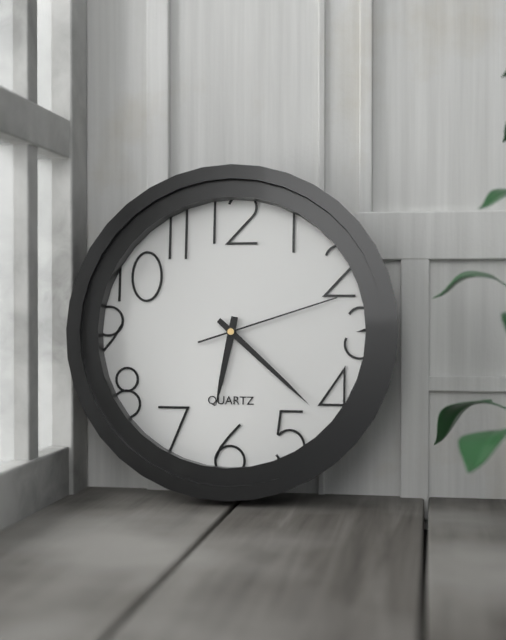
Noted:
6,22,12
